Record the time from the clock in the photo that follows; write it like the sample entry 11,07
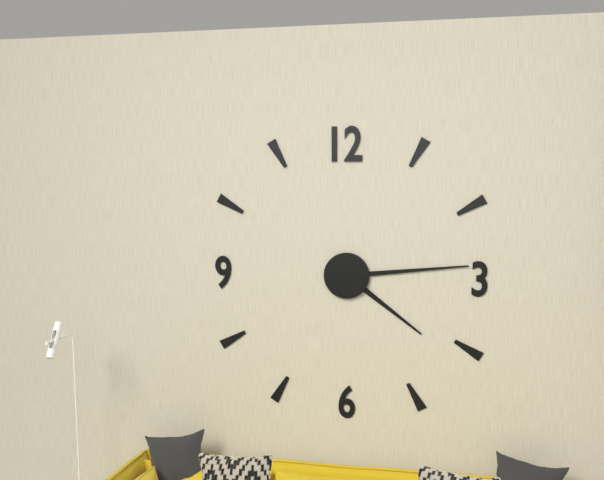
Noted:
4,14
